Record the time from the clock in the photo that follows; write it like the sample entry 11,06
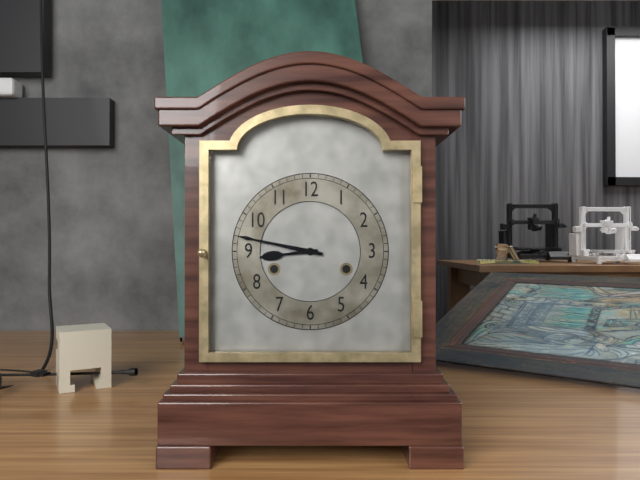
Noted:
8,47
